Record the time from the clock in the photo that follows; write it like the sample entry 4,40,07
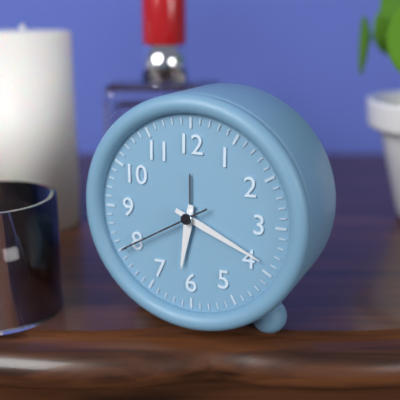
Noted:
6,19,40
